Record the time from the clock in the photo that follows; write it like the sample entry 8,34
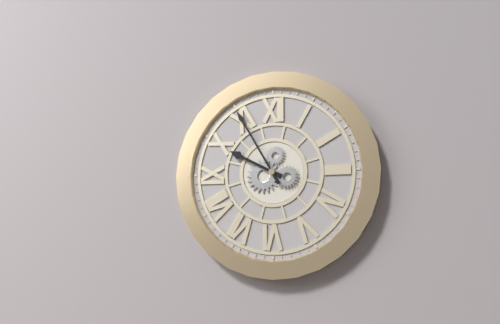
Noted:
9,55
